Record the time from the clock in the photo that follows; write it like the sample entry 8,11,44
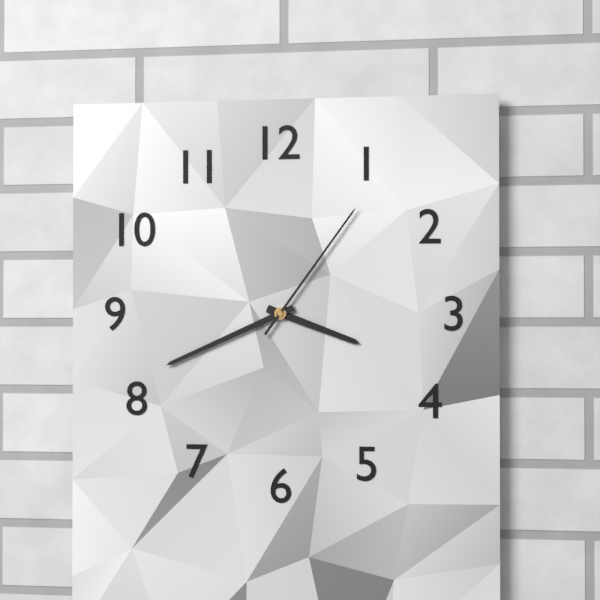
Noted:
3,41,06
